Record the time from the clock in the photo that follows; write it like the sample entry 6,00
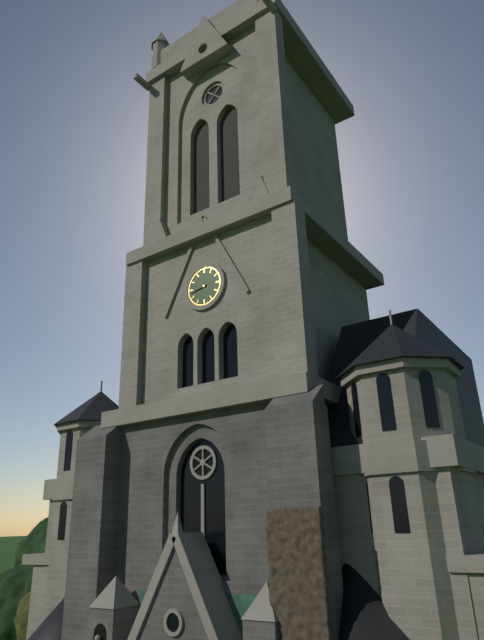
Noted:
8,43
